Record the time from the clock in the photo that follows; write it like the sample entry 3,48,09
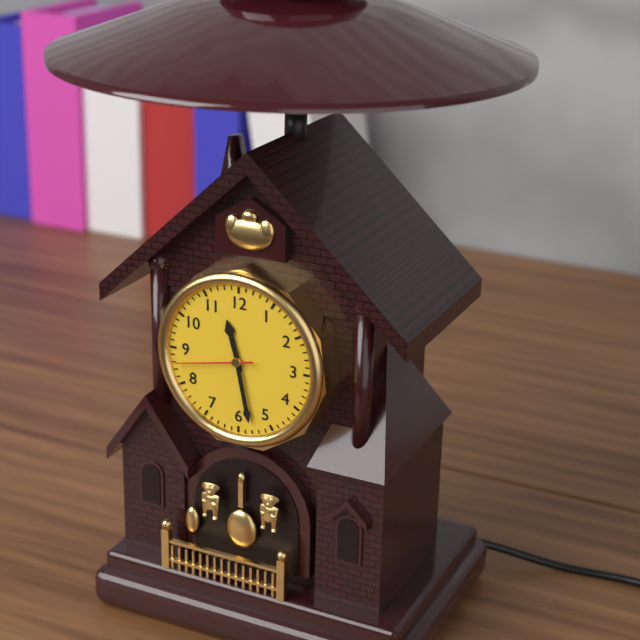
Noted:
11,28,43
